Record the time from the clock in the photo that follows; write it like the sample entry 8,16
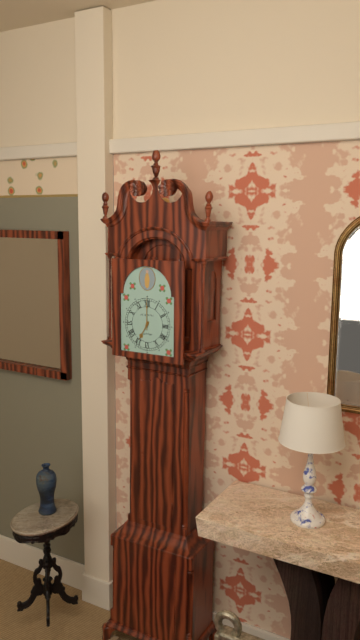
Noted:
7,00
